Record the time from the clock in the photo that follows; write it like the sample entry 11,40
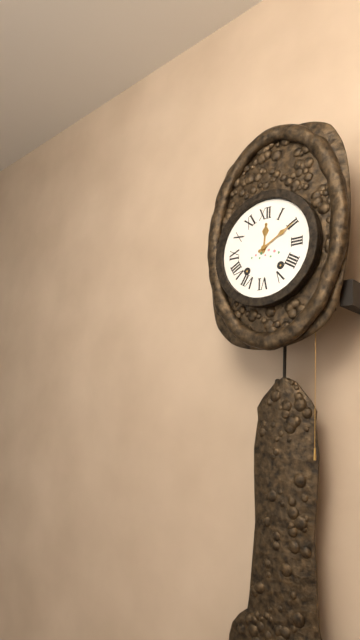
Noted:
12,10
